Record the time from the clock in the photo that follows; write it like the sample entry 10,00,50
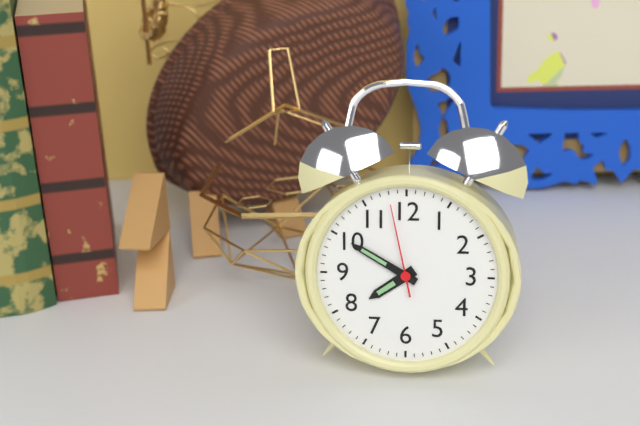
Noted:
7,50,58
